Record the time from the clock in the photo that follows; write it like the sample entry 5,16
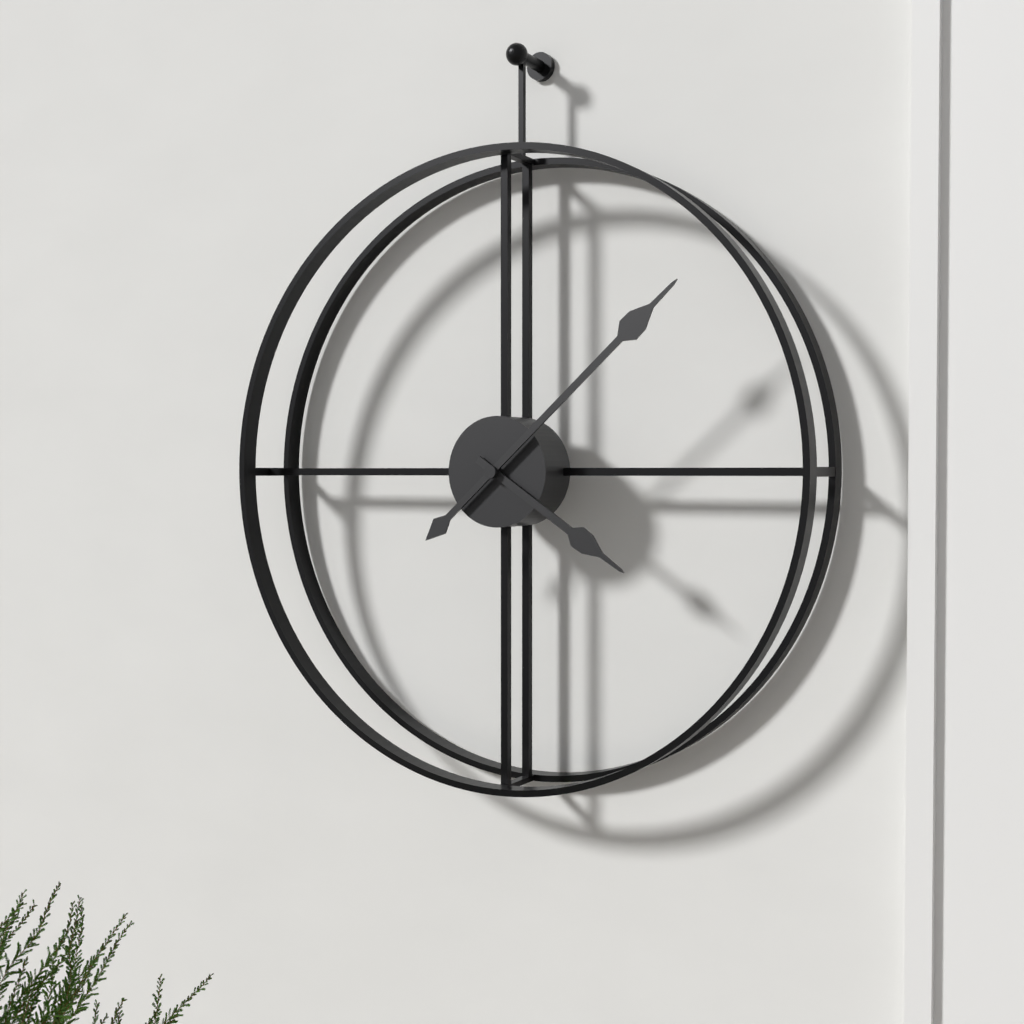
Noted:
4,08
